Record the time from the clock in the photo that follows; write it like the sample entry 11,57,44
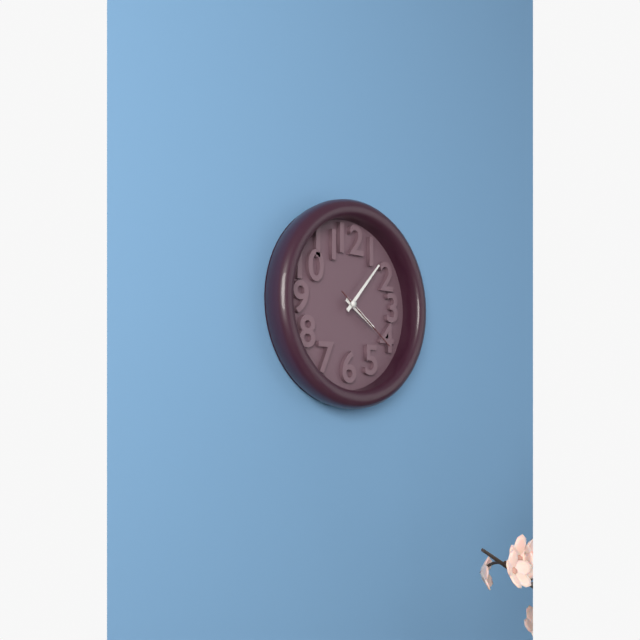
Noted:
4,07,21
